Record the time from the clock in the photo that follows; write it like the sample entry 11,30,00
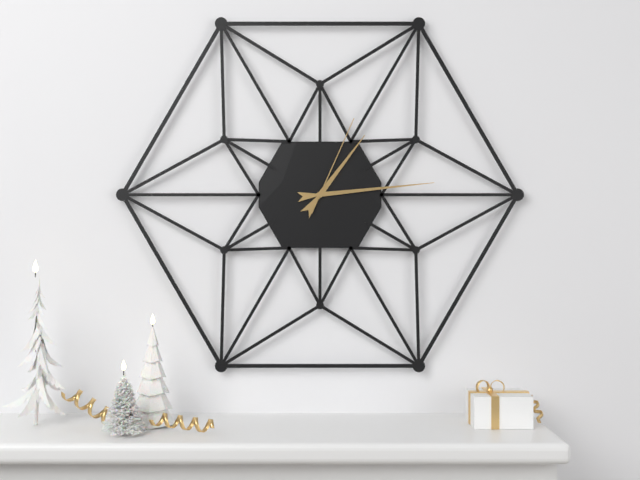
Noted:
1,14,04
